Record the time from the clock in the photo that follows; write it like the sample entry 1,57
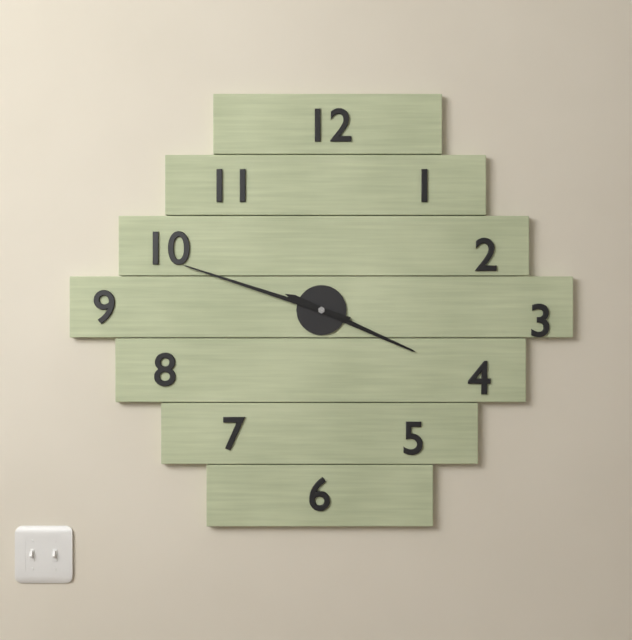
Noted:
3,48
